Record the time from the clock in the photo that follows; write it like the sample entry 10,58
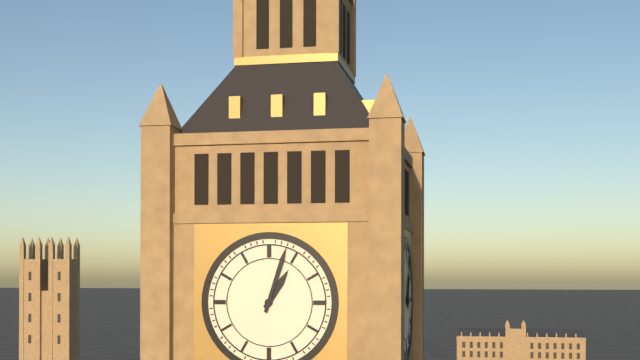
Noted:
1,03
